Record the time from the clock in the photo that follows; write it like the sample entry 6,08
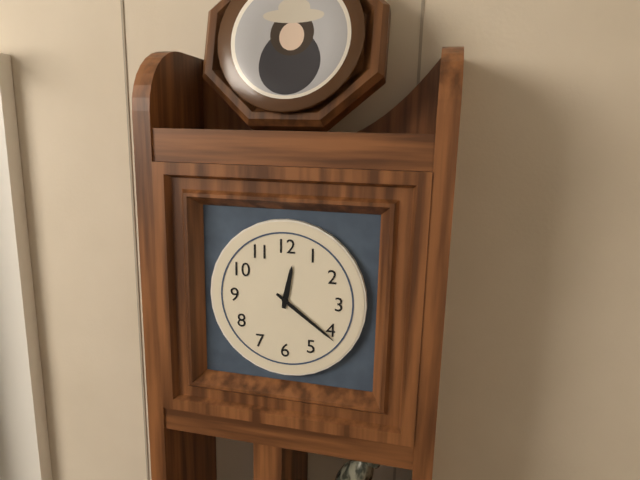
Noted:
12,21
